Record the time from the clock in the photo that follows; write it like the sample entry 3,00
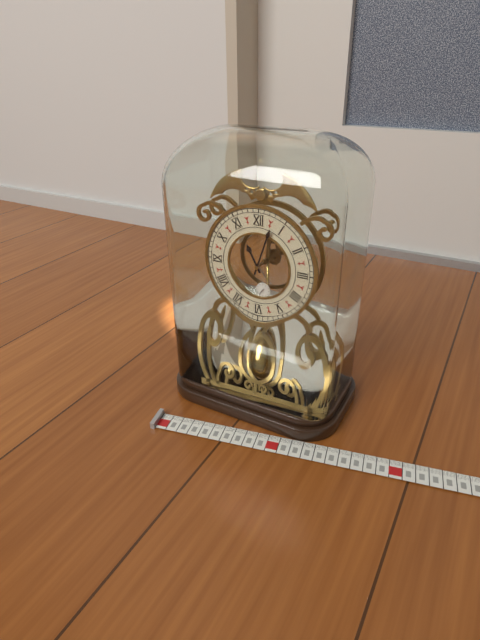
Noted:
11,03
